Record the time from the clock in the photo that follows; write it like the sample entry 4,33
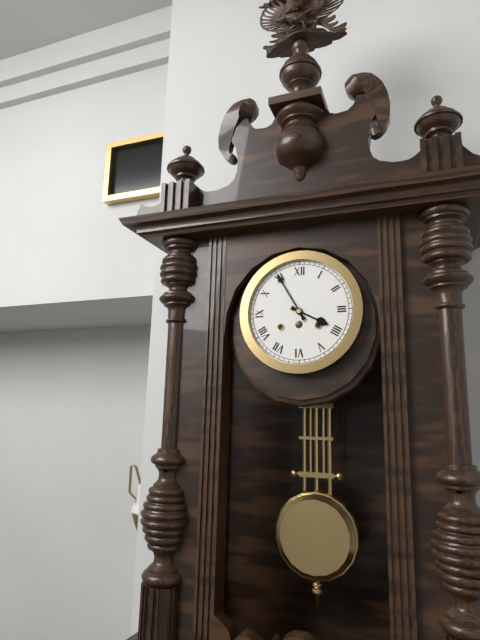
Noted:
3,55
